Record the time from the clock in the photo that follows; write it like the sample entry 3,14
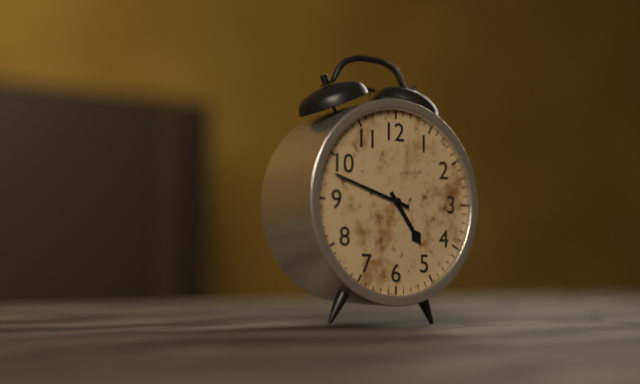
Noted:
4,48
